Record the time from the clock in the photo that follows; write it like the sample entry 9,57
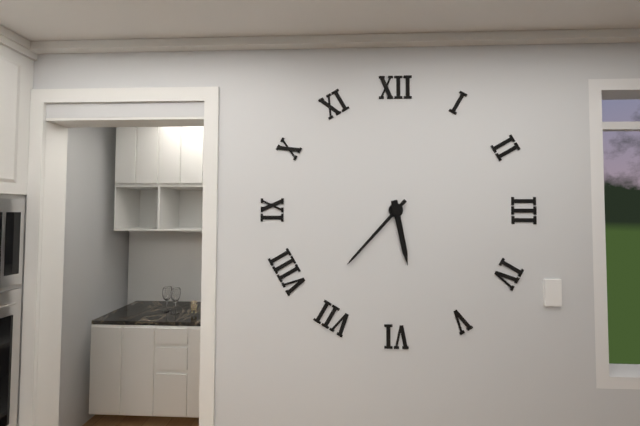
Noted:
5,37
